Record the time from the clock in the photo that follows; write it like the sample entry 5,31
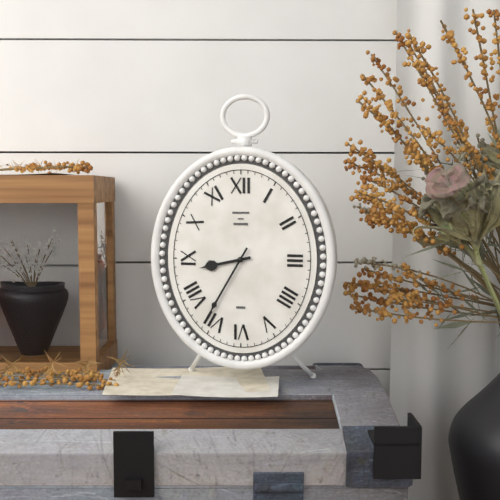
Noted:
8,35
